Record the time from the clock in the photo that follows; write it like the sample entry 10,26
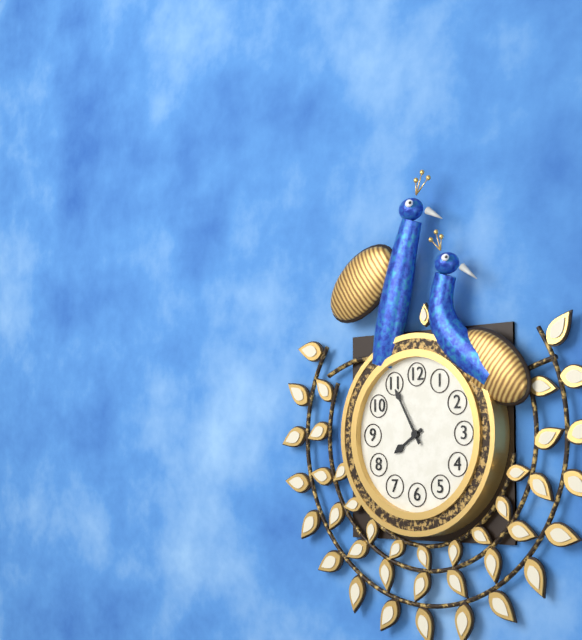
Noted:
7,55
